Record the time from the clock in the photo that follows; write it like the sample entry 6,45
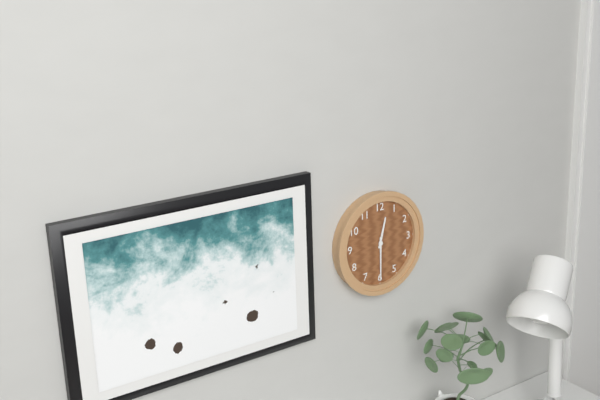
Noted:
12,30
